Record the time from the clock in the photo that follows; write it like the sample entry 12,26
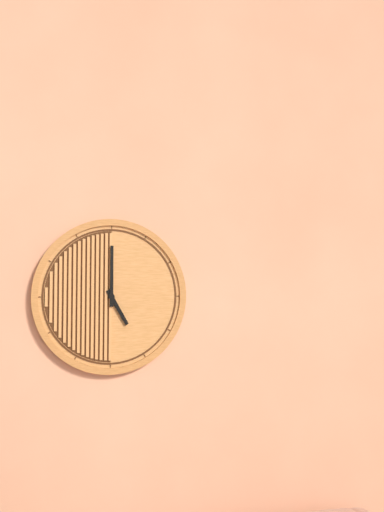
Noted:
5,00
